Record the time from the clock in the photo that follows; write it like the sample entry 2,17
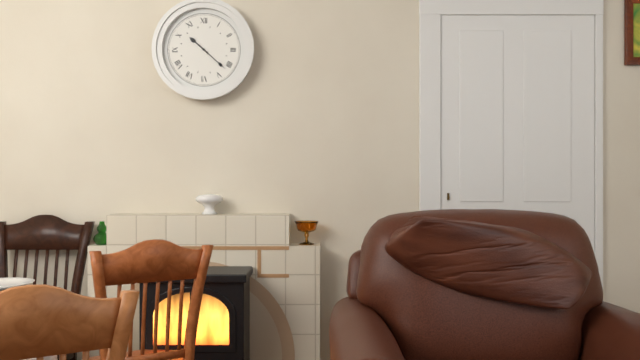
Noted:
10,22
